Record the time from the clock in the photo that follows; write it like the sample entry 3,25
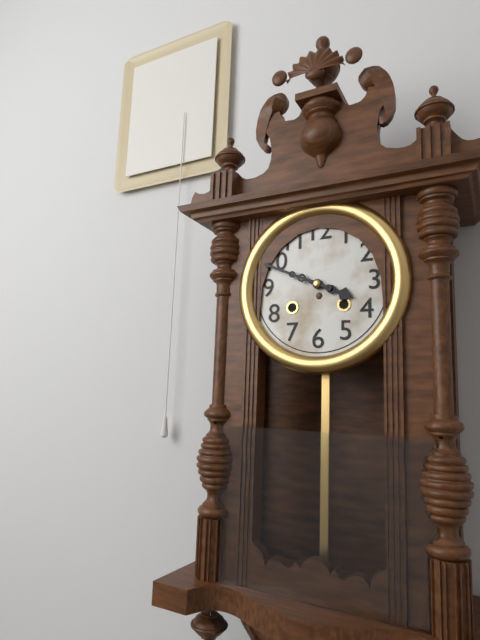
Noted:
3,49
